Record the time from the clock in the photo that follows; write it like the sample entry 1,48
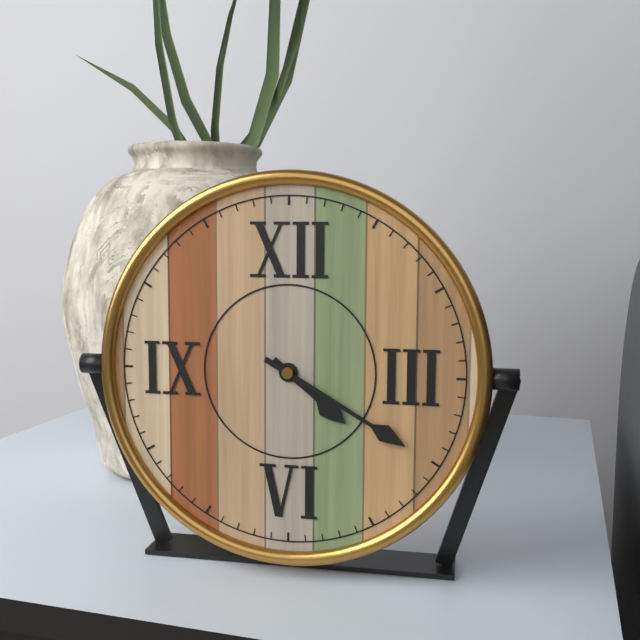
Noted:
4,20
